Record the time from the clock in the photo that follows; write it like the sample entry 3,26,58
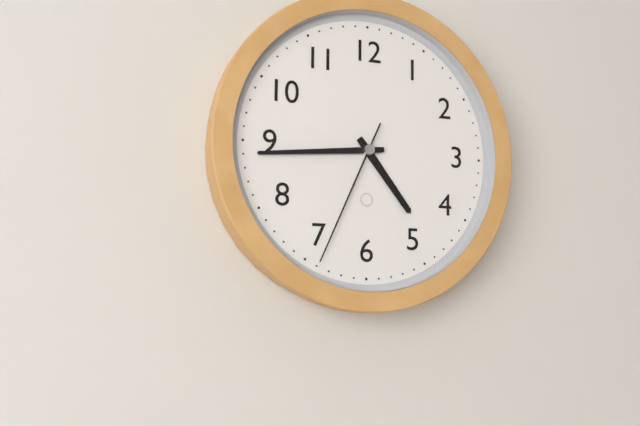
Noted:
4,44,34
